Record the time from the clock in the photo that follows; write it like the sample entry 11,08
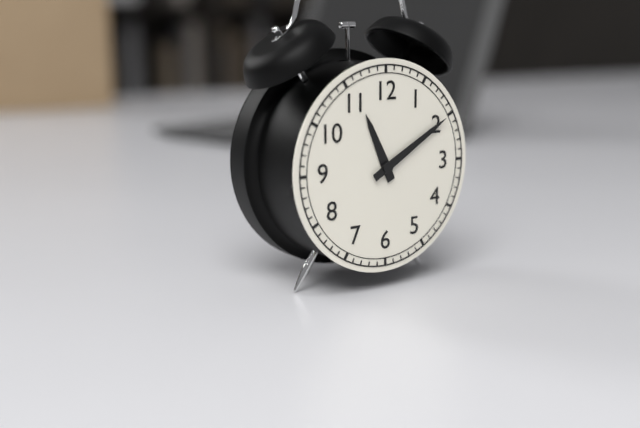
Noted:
11,10
